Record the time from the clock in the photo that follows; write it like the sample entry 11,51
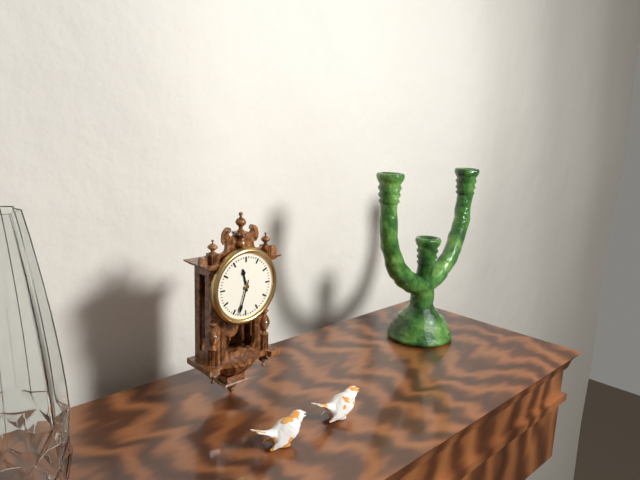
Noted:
11,33
